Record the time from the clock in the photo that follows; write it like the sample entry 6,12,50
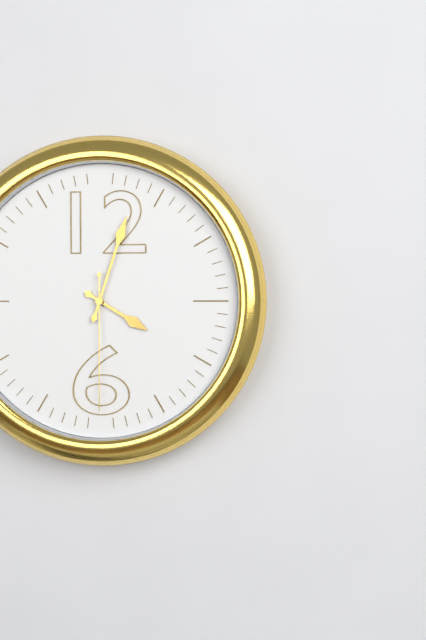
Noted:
4,03,30
